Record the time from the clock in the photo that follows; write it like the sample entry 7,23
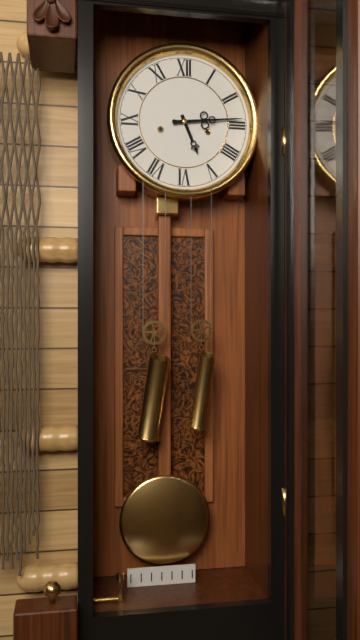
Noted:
5,14
